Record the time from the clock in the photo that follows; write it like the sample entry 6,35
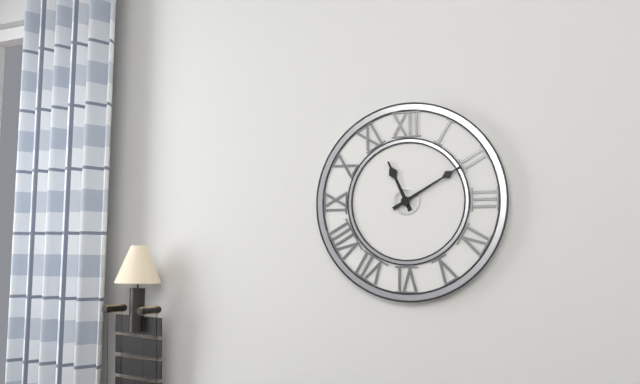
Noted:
11,10
